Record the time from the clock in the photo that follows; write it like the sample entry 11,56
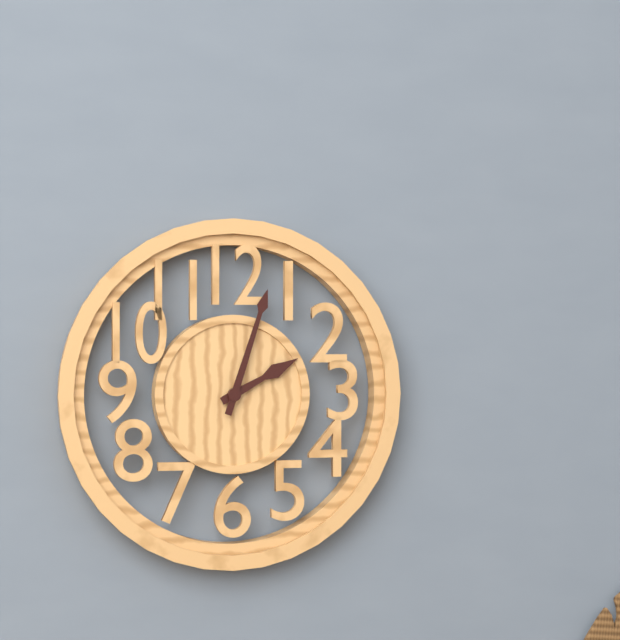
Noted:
2,03
